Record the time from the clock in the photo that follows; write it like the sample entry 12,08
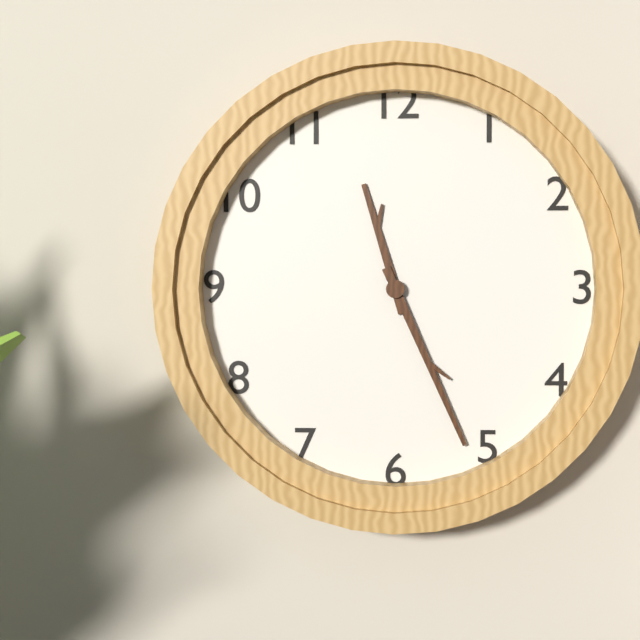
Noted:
11,26
